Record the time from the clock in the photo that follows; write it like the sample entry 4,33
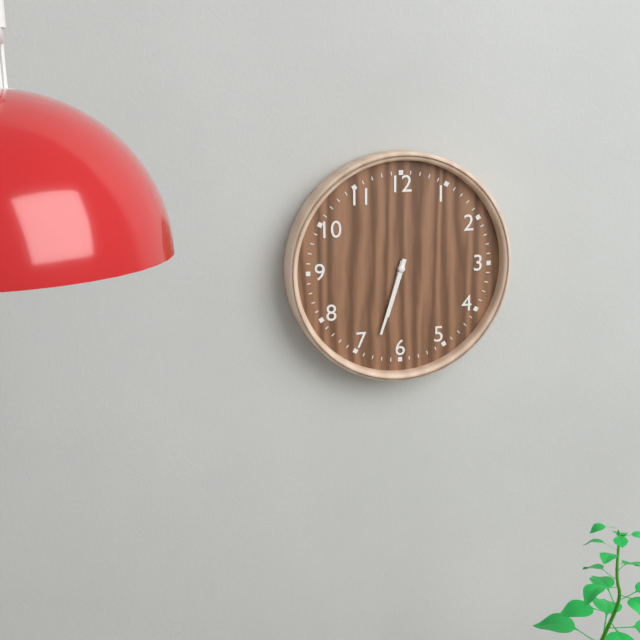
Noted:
6,33
